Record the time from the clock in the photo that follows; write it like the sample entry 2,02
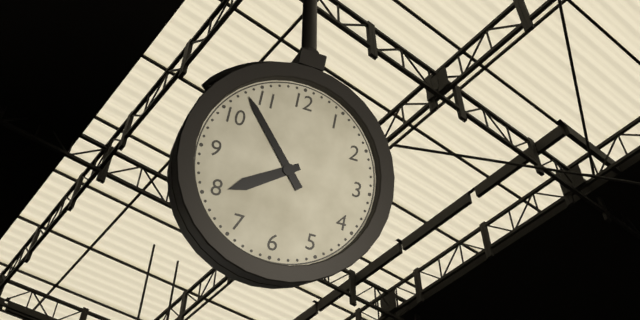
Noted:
7,53
